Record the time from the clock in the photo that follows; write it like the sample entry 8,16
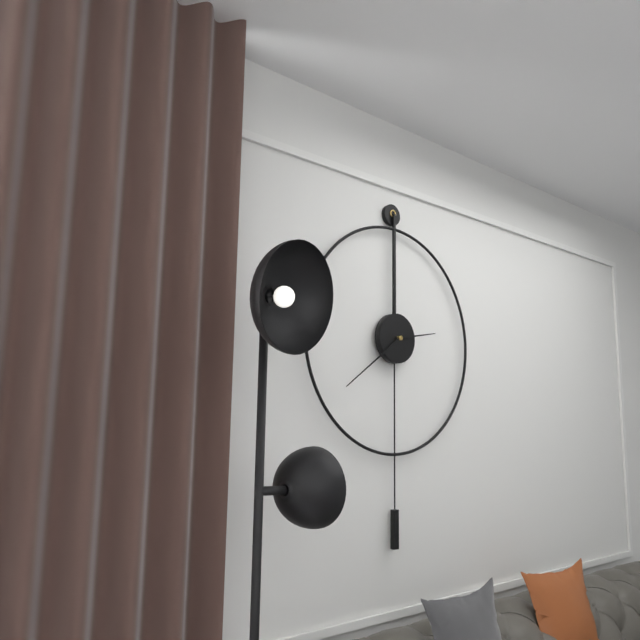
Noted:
2,39
